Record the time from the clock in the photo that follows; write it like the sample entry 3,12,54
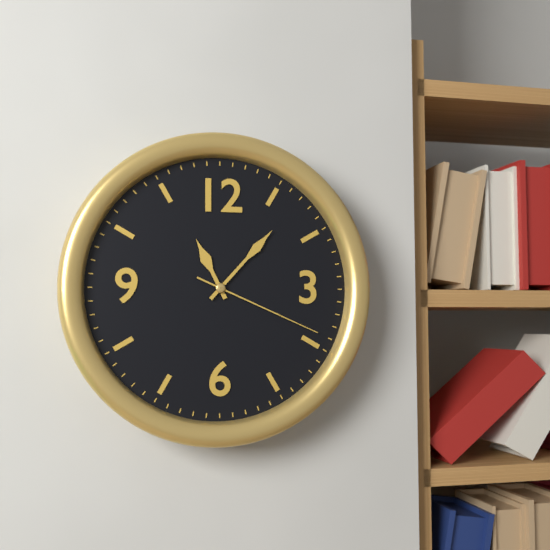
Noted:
11,07,19
